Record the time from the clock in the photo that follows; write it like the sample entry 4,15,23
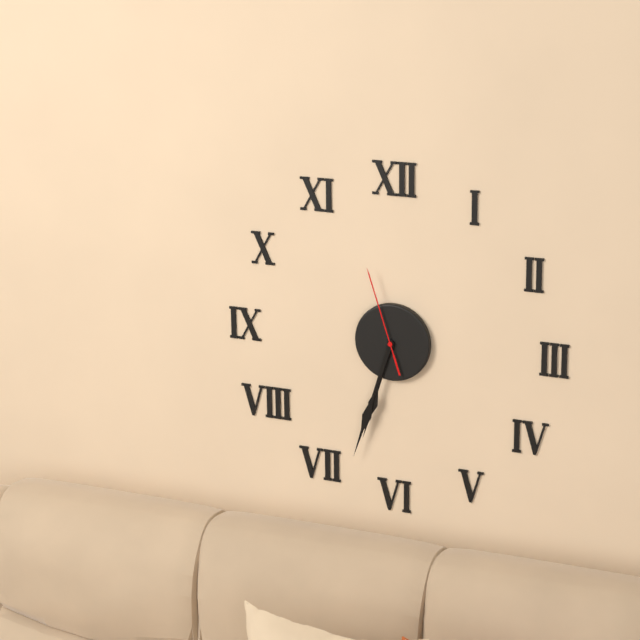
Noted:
6,33,57
